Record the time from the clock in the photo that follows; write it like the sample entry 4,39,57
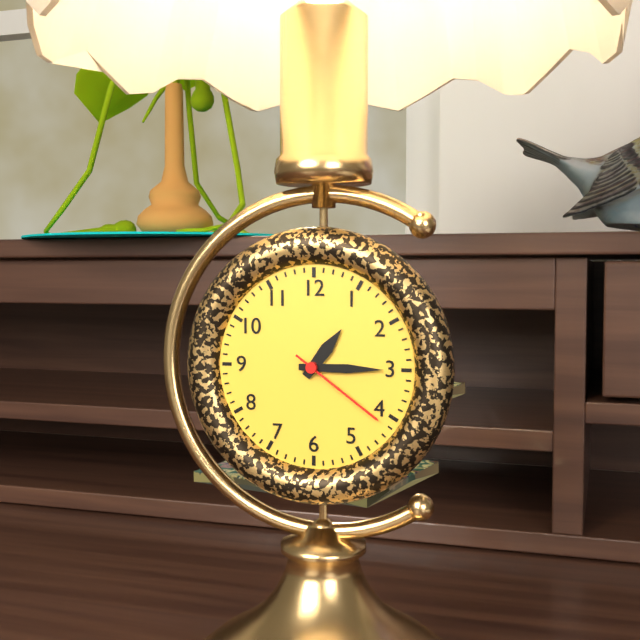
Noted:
1,15,21
